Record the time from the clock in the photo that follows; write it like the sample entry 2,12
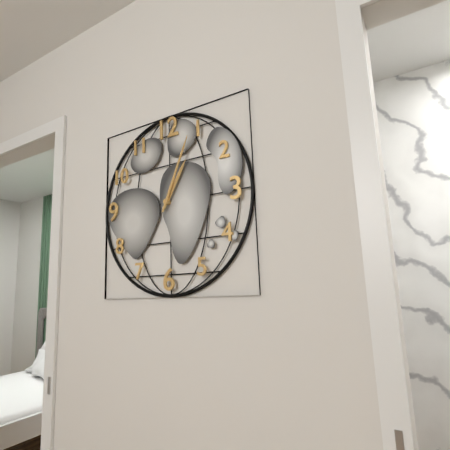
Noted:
1,04
